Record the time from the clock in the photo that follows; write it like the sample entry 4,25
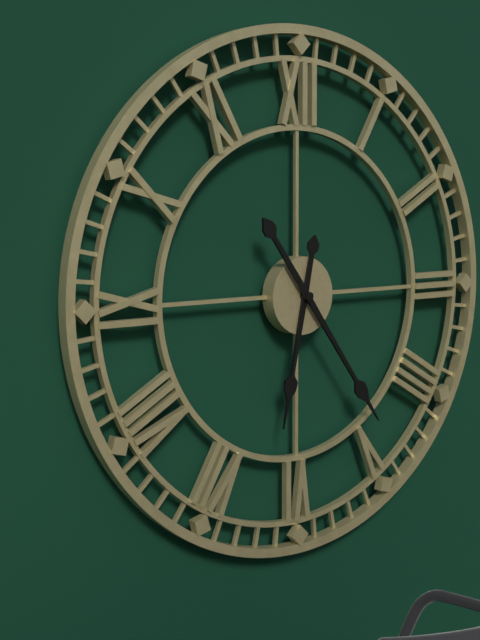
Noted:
6,24
